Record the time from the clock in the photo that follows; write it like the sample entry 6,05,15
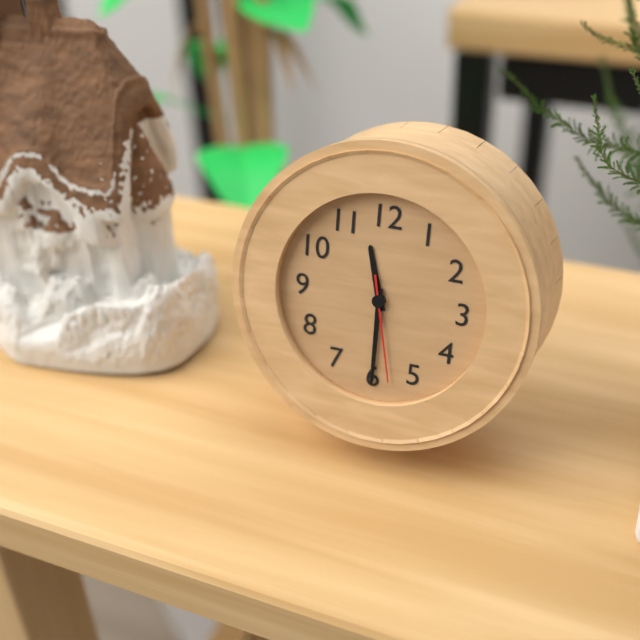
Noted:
11,30,28
